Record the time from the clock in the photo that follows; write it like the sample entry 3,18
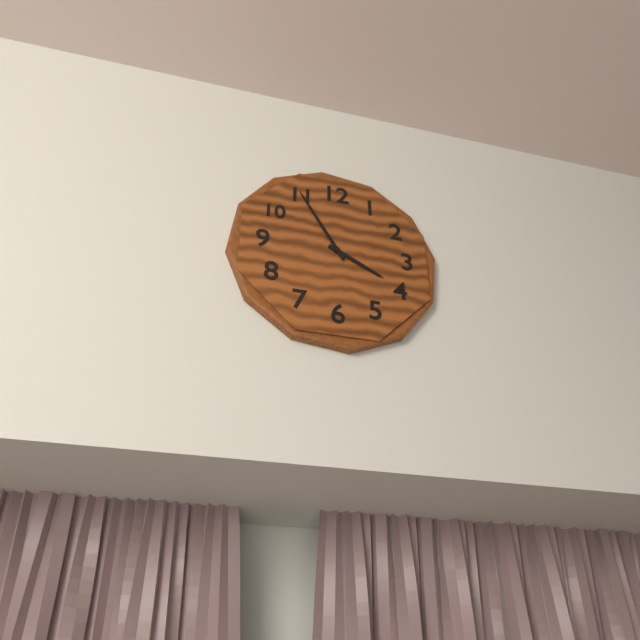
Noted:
3,55
